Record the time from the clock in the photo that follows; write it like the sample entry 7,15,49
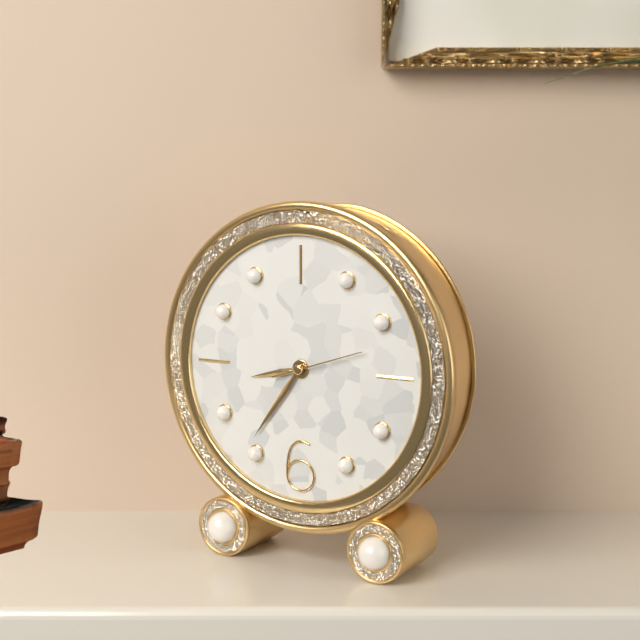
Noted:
8,36,12
